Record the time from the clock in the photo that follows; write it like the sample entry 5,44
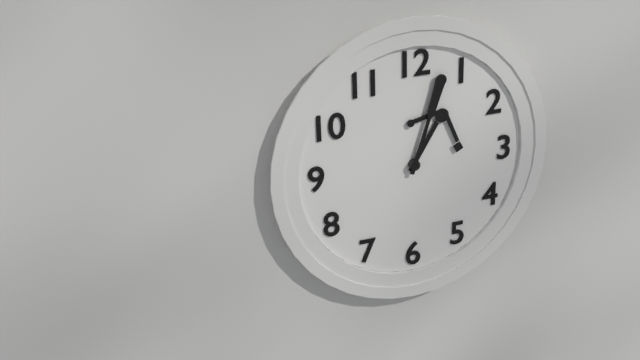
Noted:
1,03
